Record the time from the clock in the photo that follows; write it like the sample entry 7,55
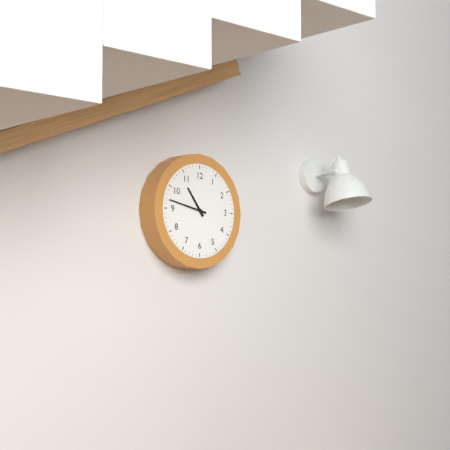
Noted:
10,47
